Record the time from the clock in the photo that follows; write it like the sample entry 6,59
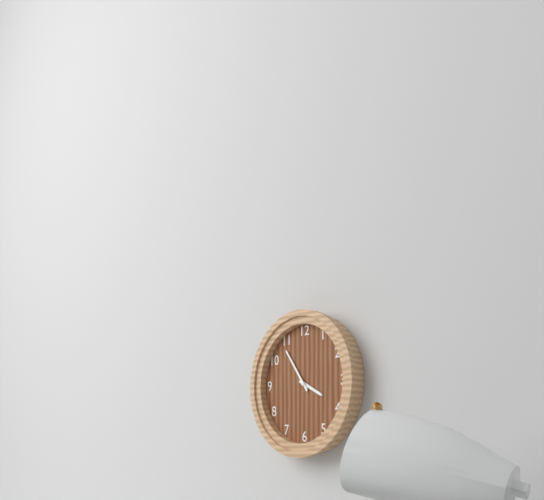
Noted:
3,54
